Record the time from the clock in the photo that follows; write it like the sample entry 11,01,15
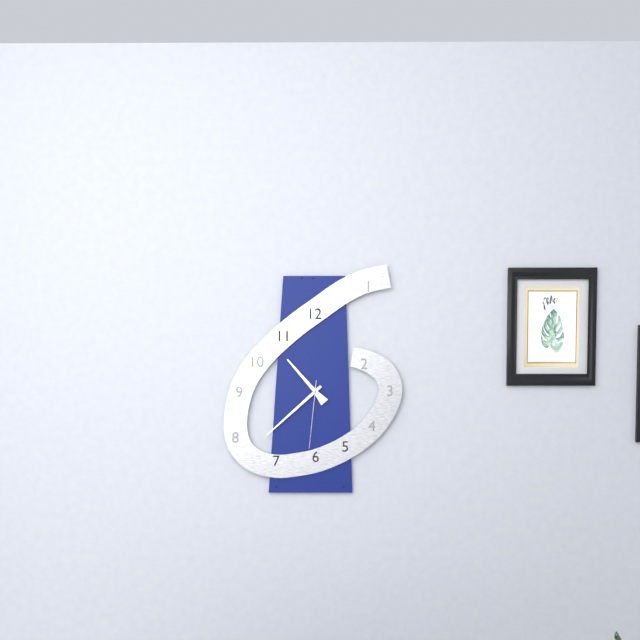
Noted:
10,38,31
